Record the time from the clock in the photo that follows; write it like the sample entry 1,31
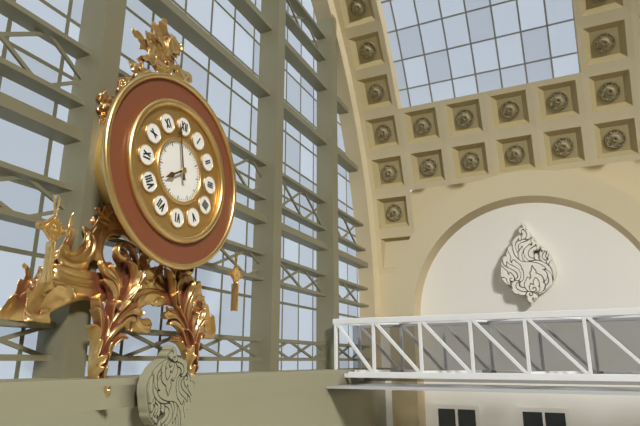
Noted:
7,58
